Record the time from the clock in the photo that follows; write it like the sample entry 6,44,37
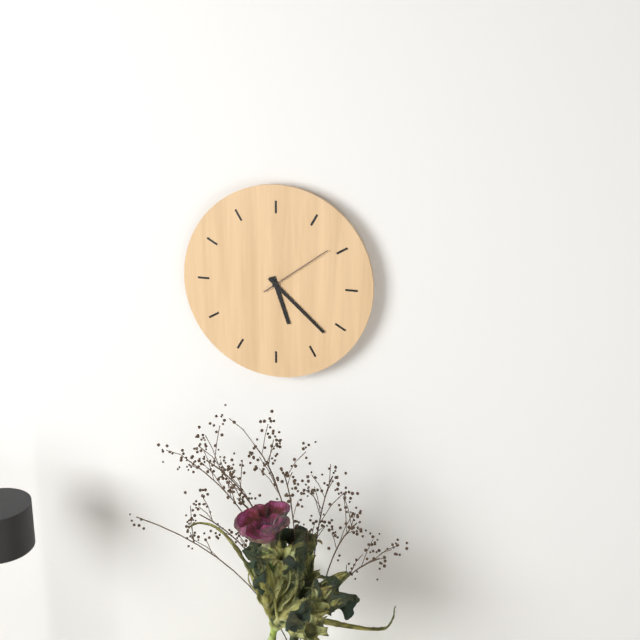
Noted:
5,22,09
